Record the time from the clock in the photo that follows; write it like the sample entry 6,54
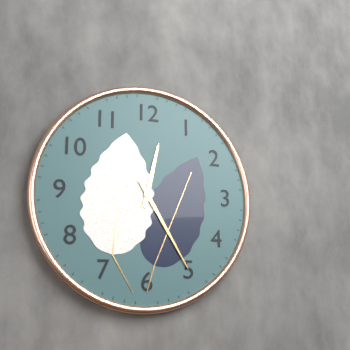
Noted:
12,25
